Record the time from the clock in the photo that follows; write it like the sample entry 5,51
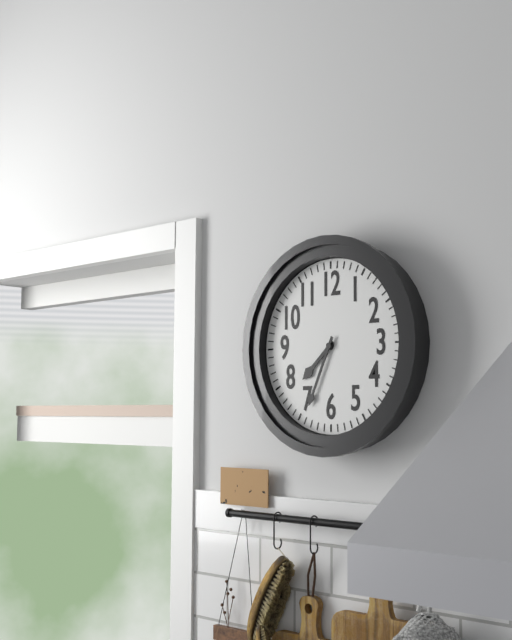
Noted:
7,34
